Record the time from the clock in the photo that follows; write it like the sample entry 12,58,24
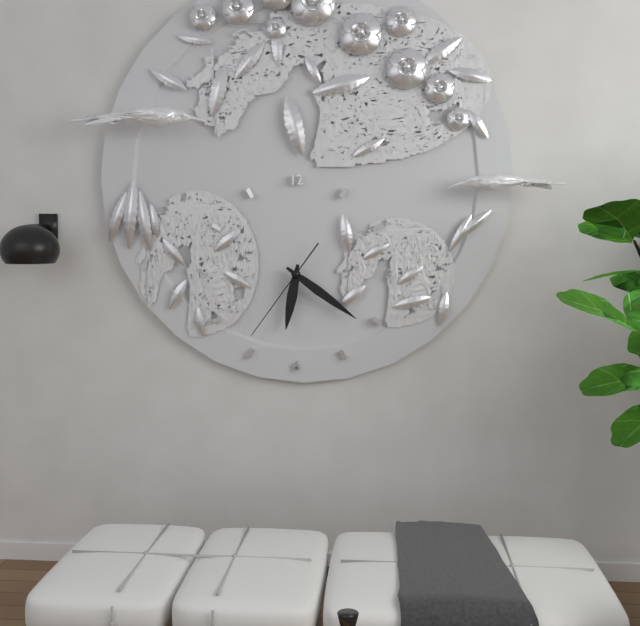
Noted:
6,21,36
